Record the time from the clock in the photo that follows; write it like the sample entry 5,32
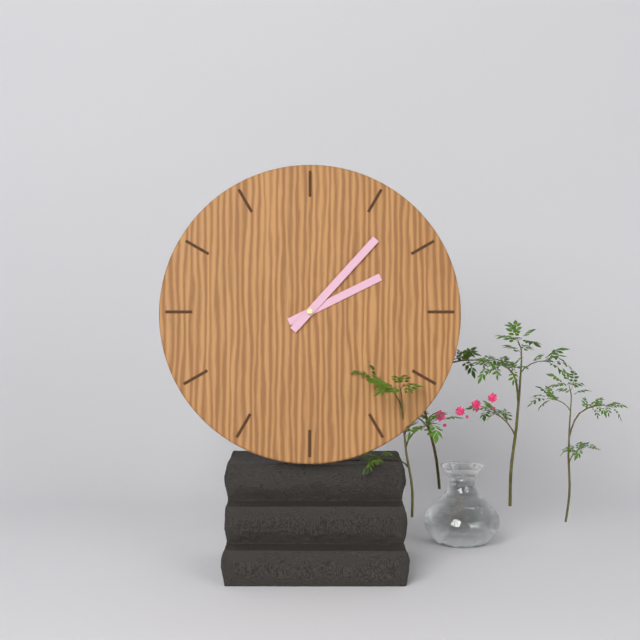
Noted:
2,07
